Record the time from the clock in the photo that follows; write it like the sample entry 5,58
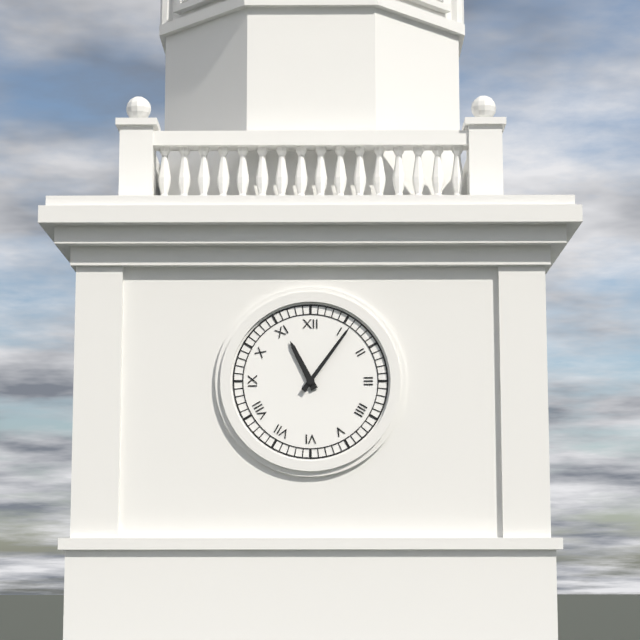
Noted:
11,06
